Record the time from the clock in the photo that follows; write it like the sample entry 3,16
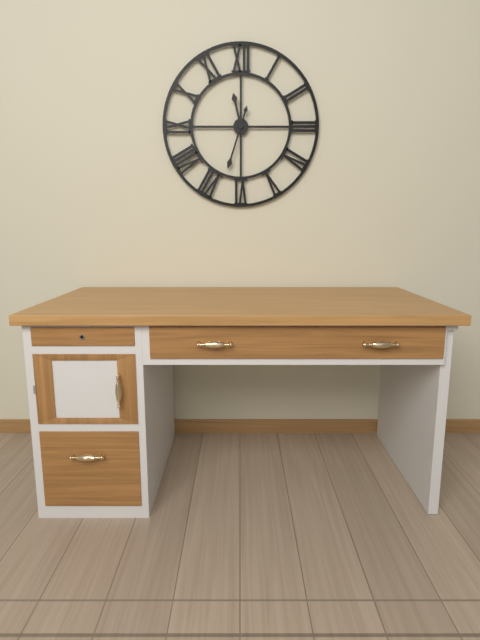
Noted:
11,33
